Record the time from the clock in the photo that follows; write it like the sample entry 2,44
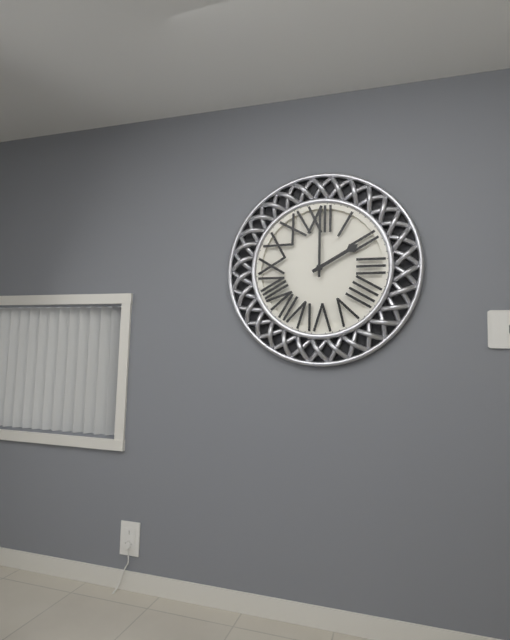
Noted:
2,00
